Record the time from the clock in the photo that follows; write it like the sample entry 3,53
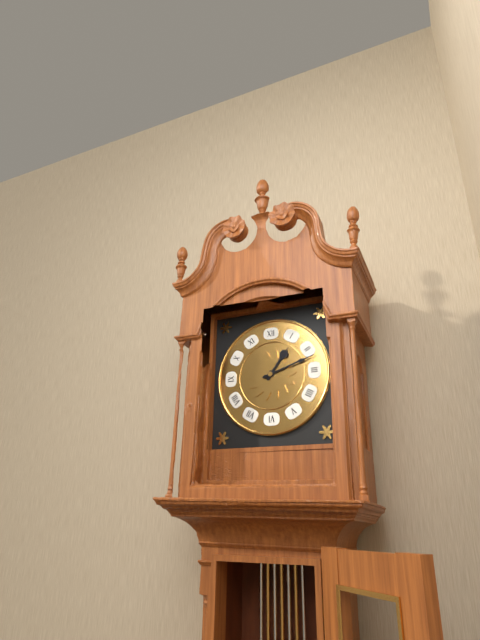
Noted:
1,12
